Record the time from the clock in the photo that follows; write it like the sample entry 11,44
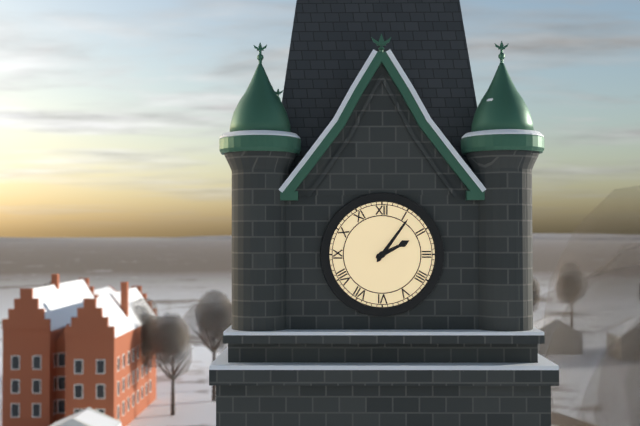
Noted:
2,06
